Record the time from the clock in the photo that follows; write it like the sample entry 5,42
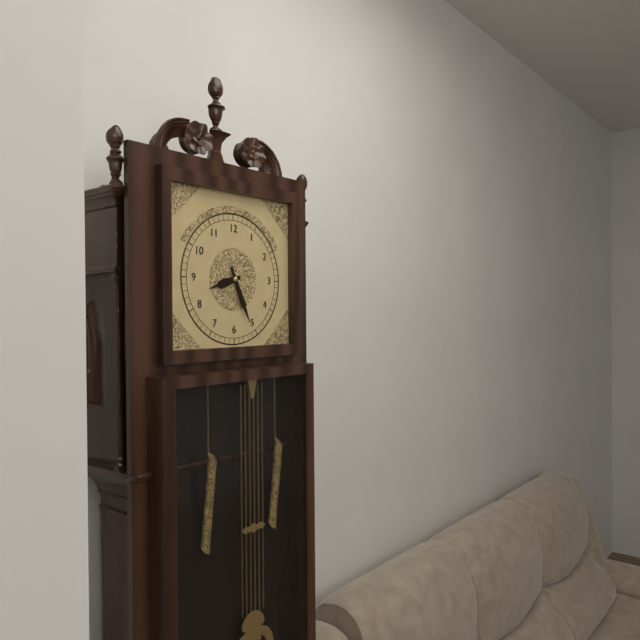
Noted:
8,26
